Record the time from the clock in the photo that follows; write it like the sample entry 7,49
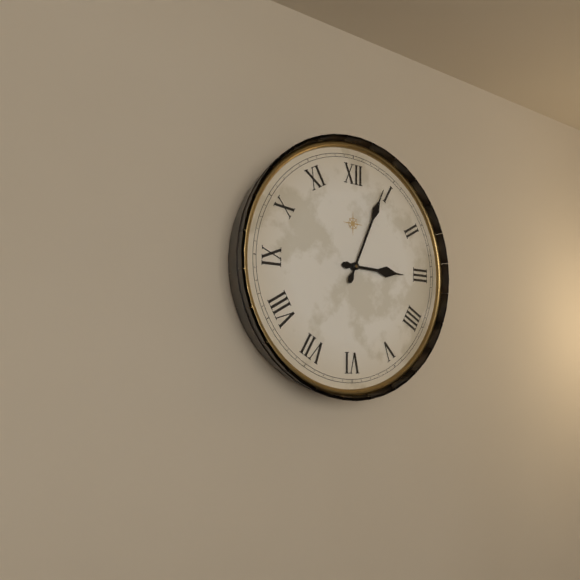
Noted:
3,04
